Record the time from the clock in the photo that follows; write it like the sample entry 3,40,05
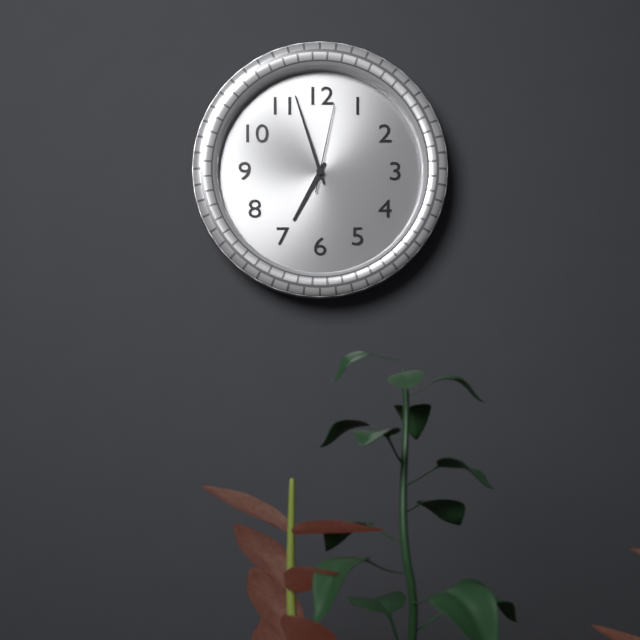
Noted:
6,57,02
